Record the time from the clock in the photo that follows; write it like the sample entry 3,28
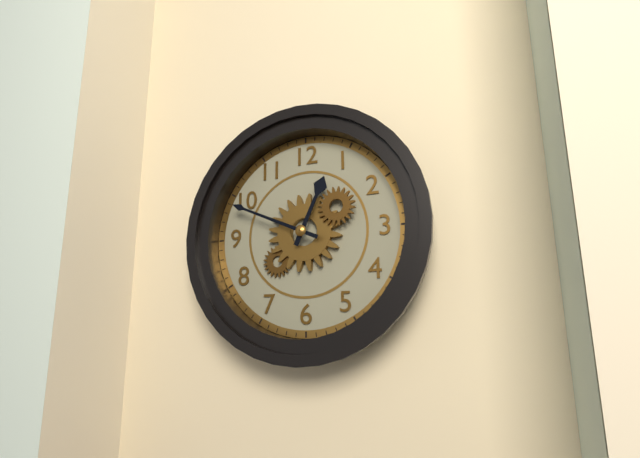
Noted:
12,49
